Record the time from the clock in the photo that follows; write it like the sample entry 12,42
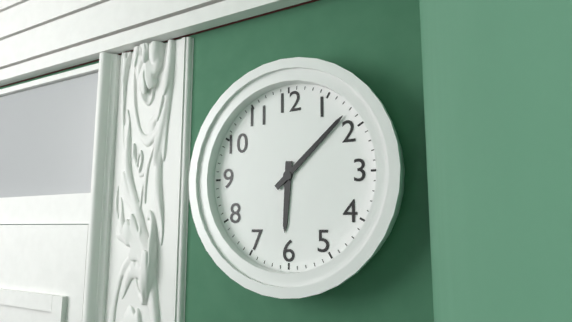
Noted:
6,08
